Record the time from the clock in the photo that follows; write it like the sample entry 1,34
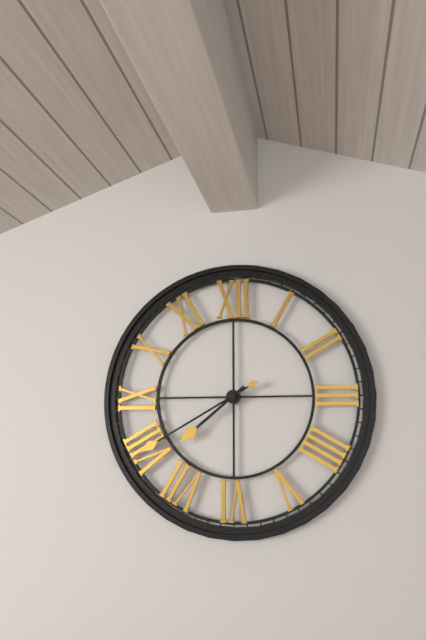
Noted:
7,40
